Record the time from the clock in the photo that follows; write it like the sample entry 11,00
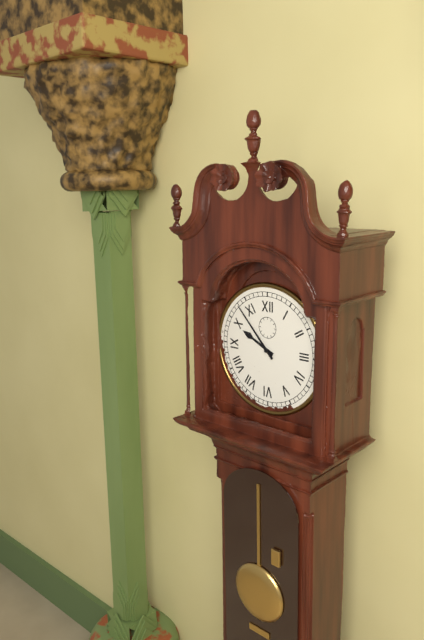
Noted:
9,53
